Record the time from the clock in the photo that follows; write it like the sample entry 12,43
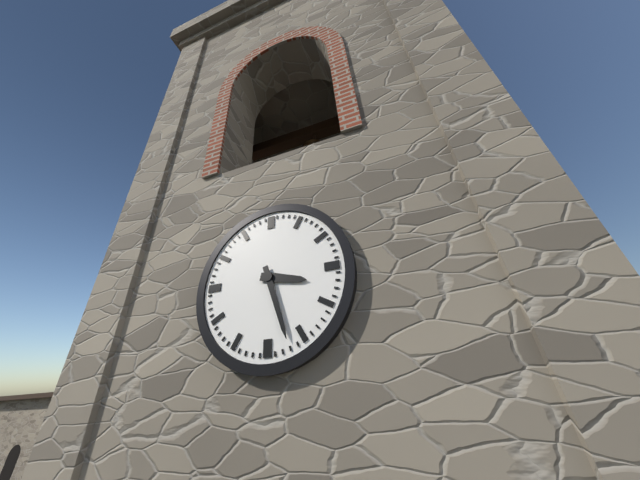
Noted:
3,27
